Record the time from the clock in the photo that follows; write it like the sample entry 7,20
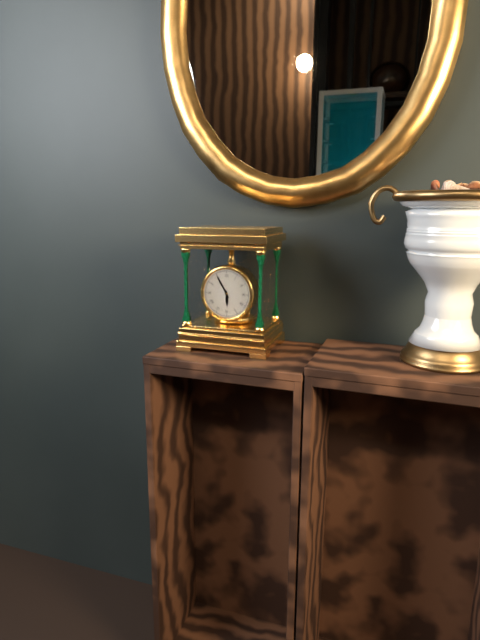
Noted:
5,55
